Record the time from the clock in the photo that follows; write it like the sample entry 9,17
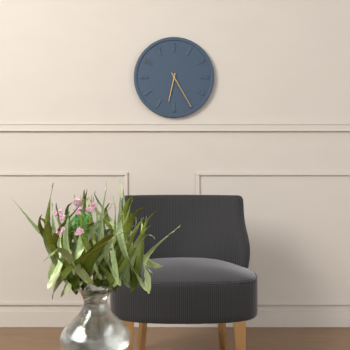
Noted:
6,25
